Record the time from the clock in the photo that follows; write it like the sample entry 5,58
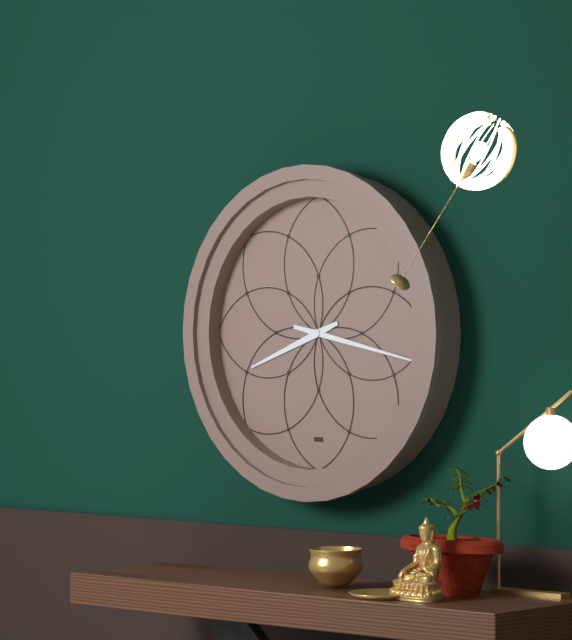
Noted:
8,17
